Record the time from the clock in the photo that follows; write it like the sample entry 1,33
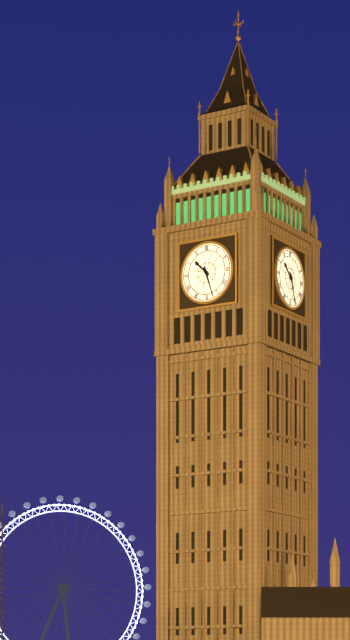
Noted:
10,27
